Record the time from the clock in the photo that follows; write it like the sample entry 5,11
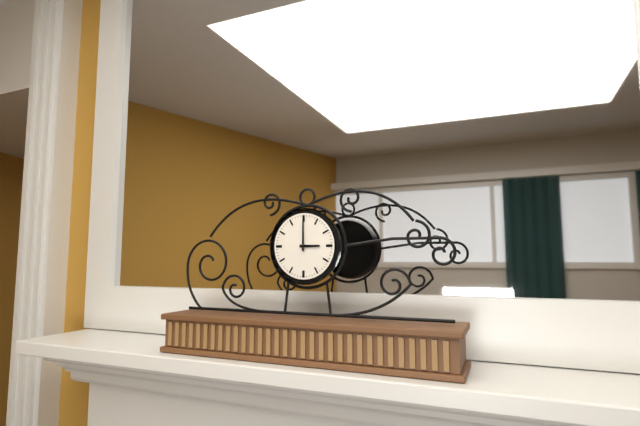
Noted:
3,00
